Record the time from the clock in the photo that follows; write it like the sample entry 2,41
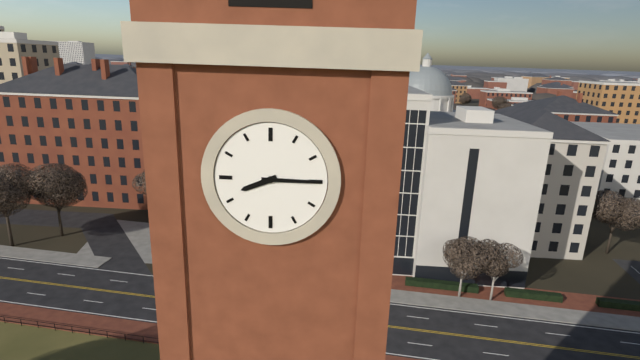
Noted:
8,15
